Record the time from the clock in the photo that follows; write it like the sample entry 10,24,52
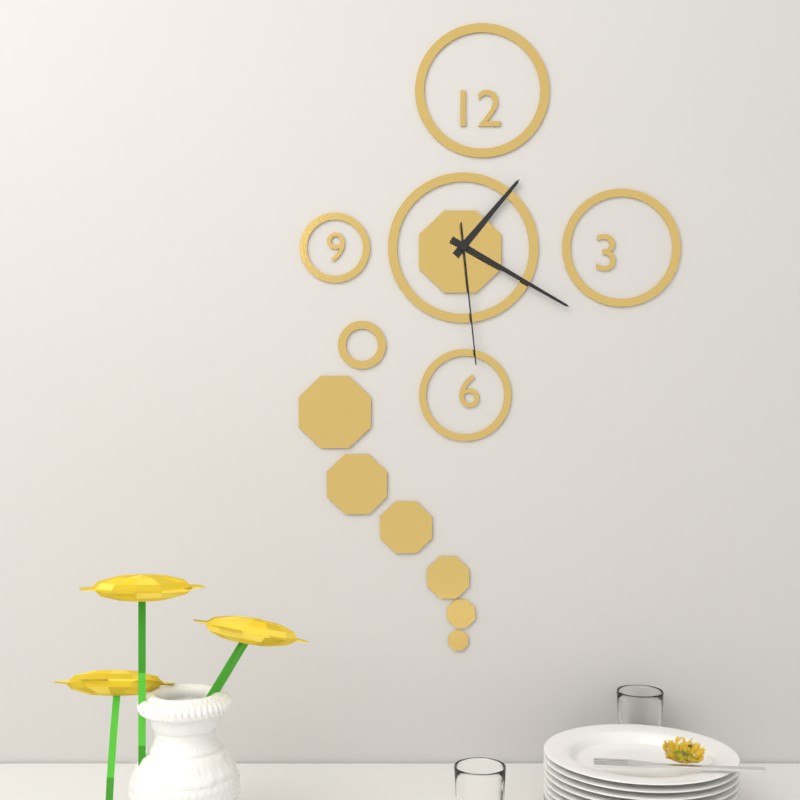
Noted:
1,20,29
